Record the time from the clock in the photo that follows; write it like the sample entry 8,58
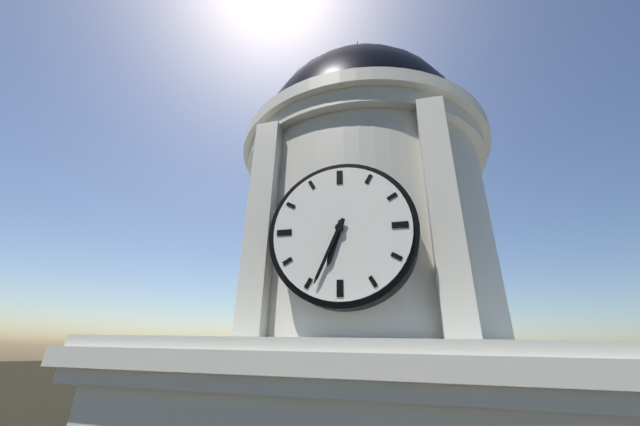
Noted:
6,34
